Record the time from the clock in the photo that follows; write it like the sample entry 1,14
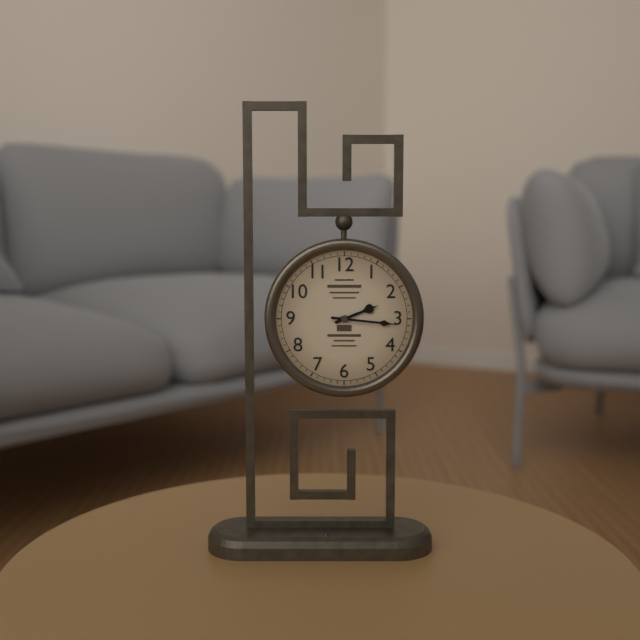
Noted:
2,16
